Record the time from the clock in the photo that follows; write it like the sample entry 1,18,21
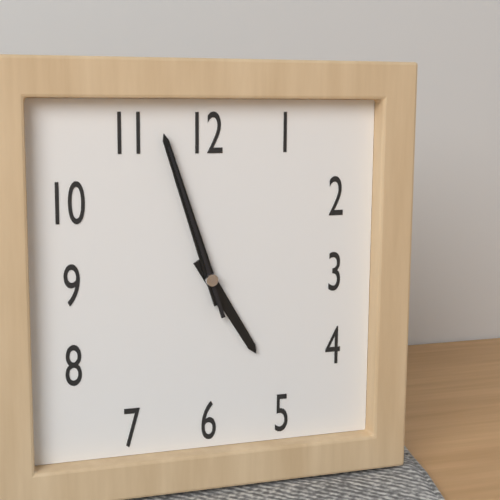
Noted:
4,57,57
